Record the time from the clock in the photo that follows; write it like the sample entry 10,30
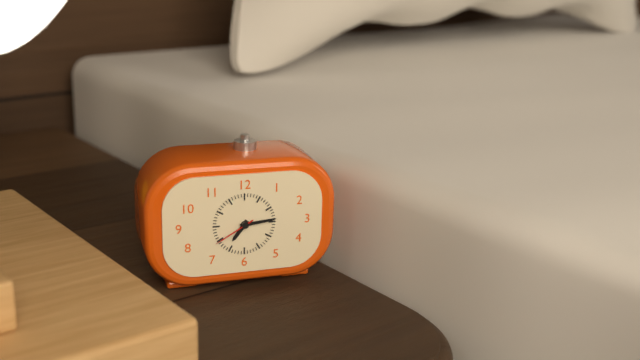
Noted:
7,14
